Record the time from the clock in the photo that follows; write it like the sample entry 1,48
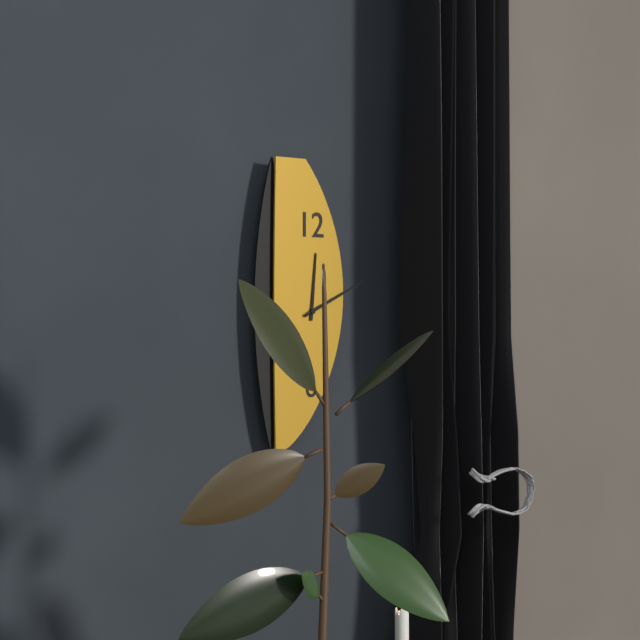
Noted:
12,11
